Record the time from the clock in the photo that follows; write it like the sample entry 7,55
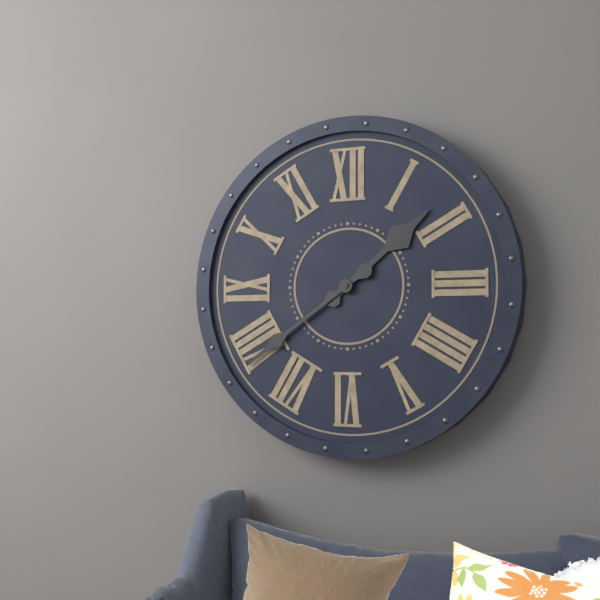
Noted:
1,39
